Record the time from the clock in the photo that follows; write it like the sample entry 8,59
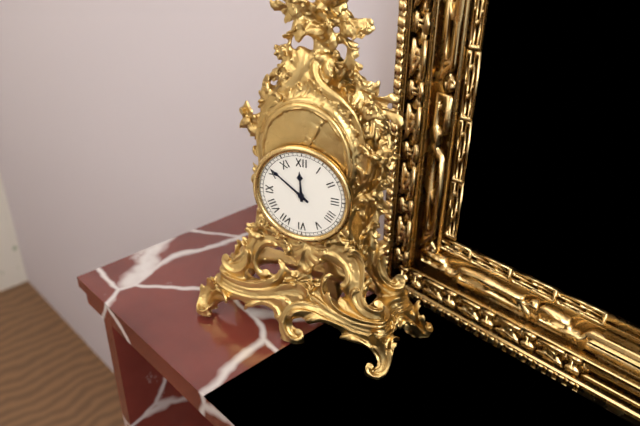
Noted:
11,51
